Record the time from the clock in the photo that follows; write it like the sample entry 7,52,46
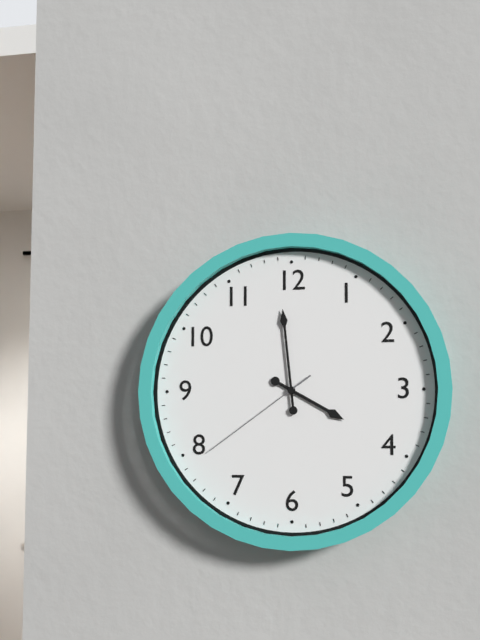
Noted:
3,59,39
